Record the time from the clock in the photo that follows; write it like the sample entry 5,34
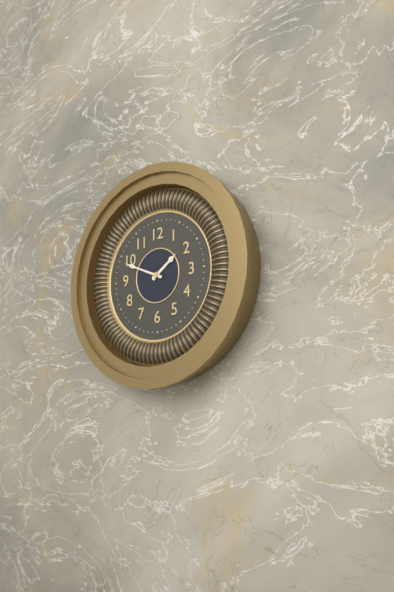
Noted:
1,49
